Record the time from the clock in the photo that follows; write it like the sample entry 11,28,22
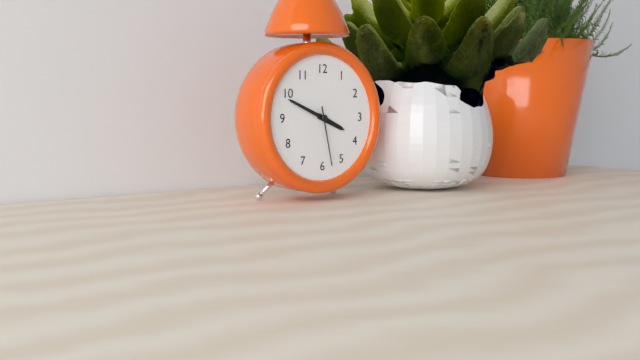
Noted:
3,49,28
